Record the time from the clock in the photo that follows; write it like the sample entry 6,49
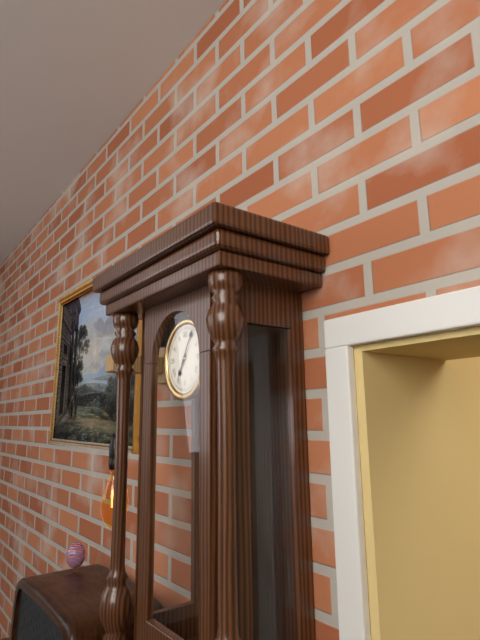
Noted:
7,05
